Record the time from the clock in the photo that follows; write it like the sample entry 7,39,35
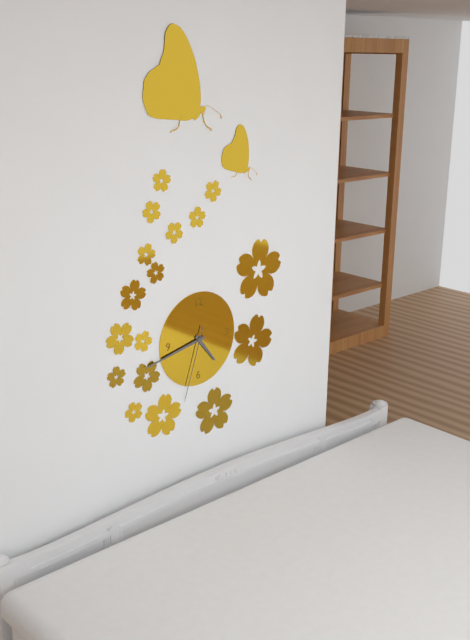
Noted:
4,43,33
